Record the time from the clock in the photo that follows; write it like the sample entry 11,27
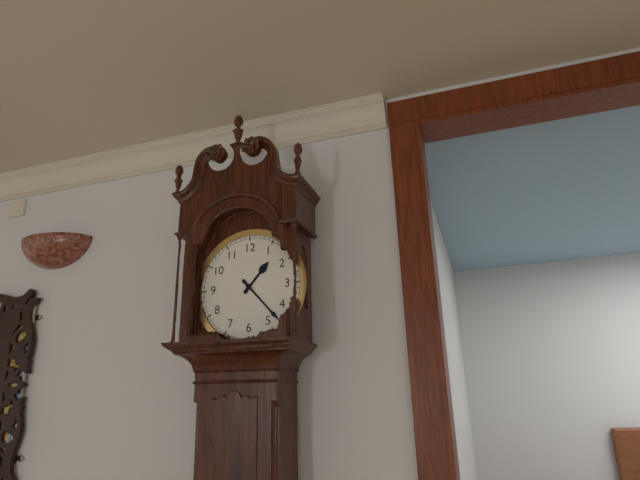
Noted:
1,23
